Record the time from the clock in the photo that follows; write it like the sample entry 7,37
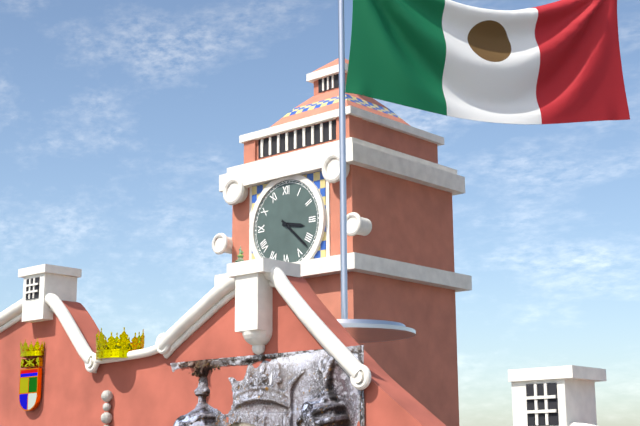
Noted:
3,22
